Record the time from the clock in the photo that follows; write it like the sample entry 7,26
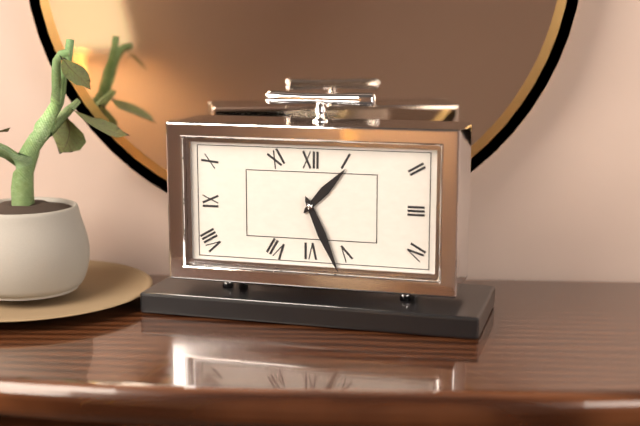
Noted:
1,26
